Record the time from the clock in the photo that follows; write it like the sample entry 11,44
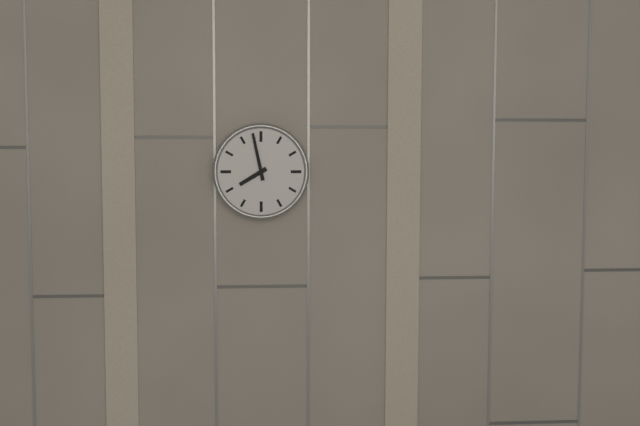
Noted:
7,58
